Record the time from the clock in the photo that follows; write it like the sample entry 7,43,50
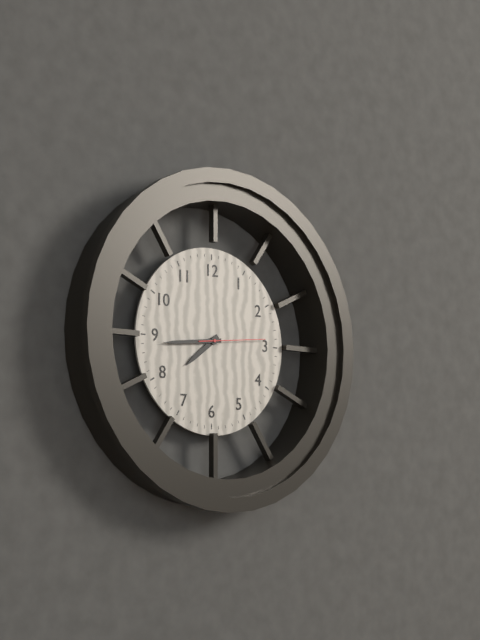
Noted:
7,44,14
